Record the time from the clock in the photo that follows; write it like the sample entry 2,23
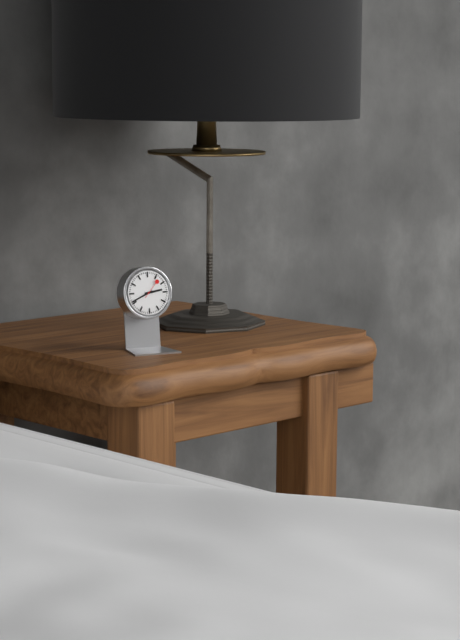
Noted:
2,41
